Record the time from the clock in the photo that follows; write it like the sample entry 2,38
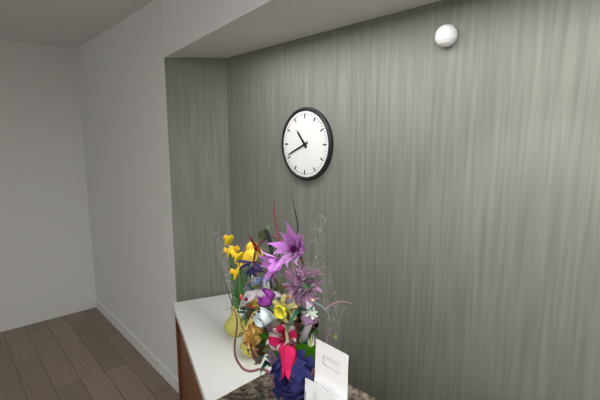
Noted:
10,41
